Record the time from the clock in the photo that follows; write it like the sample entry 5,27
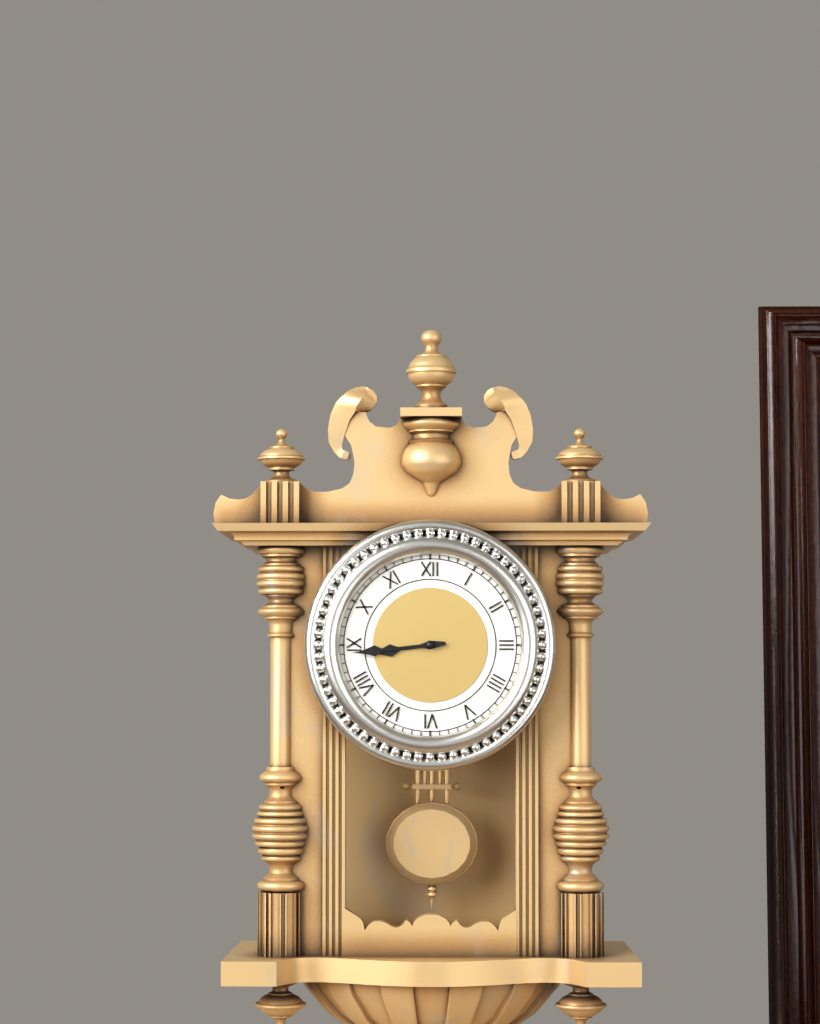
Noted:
8,44
